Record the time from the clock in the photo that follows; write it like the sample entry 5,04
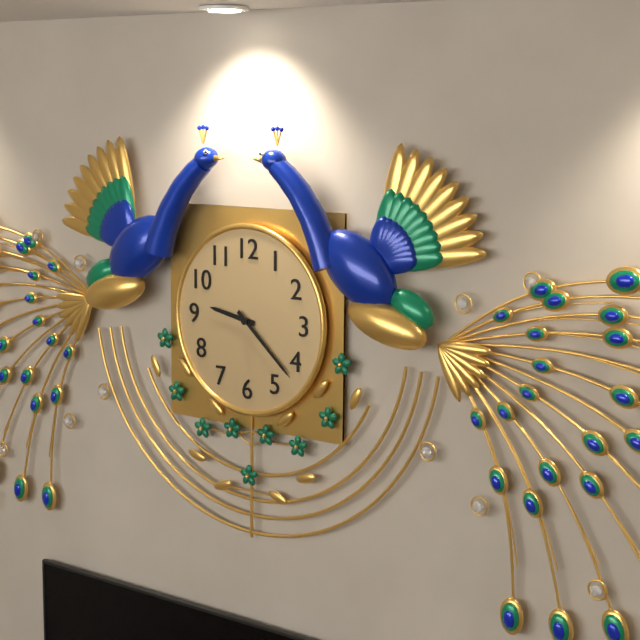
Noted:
9,22
